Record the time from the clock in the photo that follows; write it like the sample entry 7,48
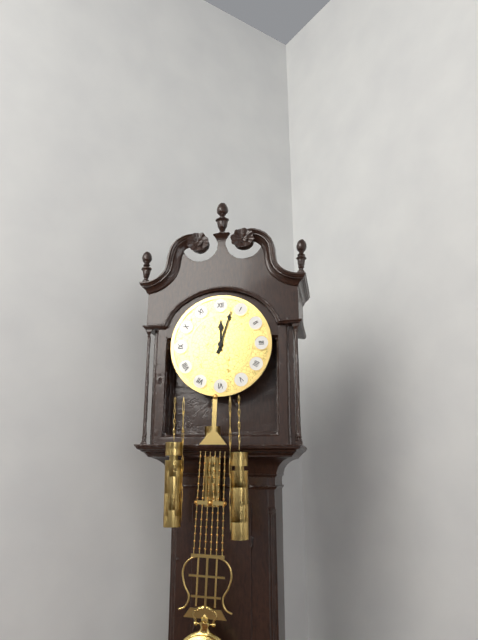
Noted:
12,03
